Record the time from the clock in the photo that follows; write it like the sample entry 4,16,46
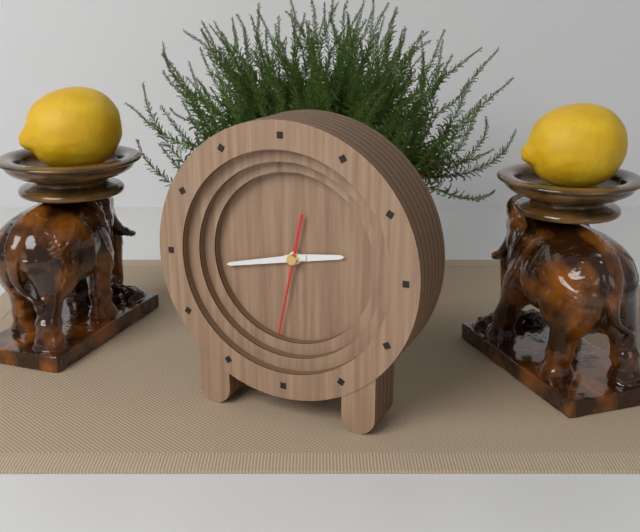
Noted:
2,43,32
